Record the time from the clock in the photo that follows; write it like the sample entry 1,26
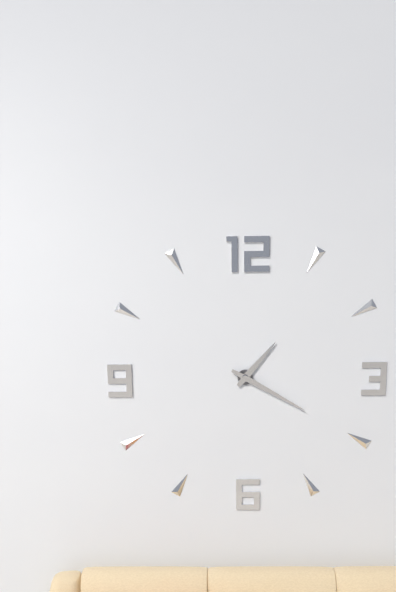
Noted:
1,20
